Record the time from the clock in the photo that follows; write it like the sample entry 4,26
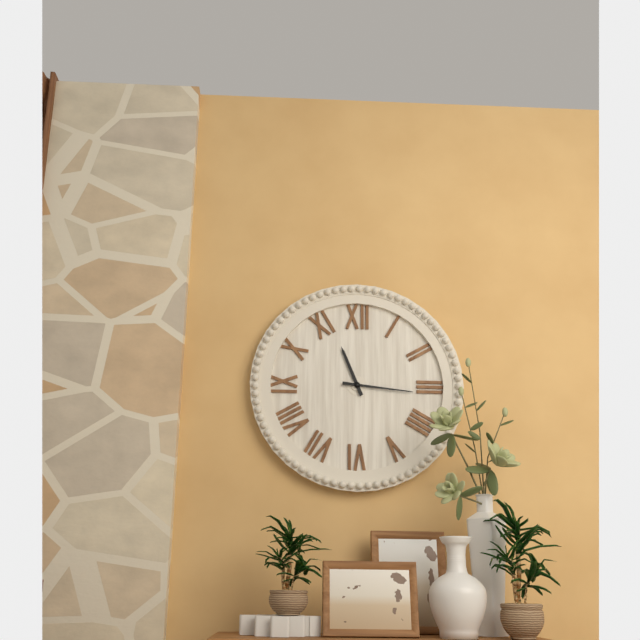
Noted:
11,16
